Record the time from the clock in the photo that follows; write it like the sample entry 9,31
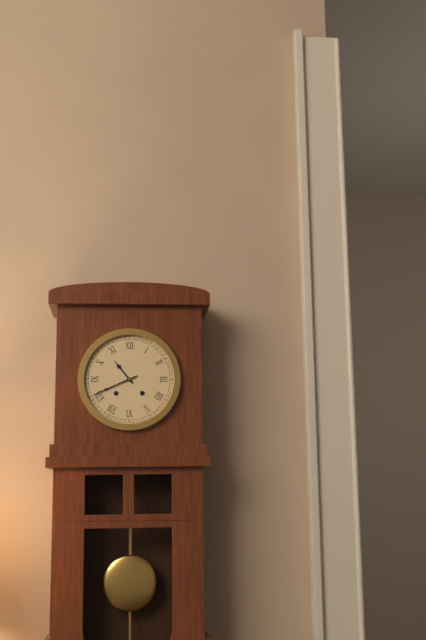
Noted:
10,41
